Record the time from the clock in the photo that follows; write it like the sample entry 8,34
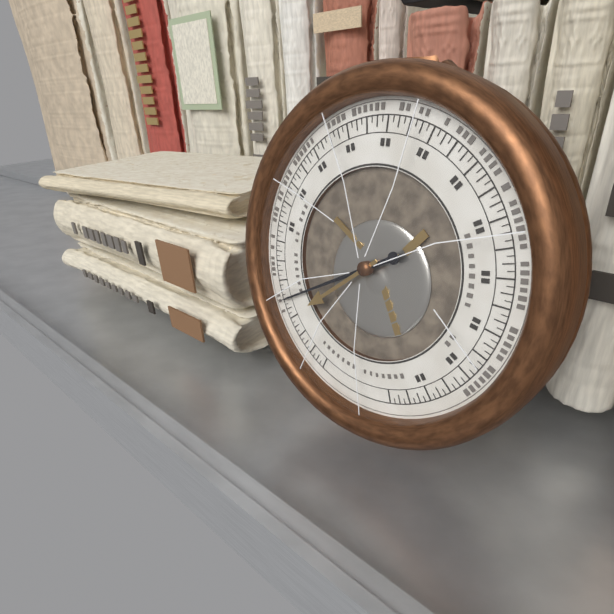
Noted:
7,40
